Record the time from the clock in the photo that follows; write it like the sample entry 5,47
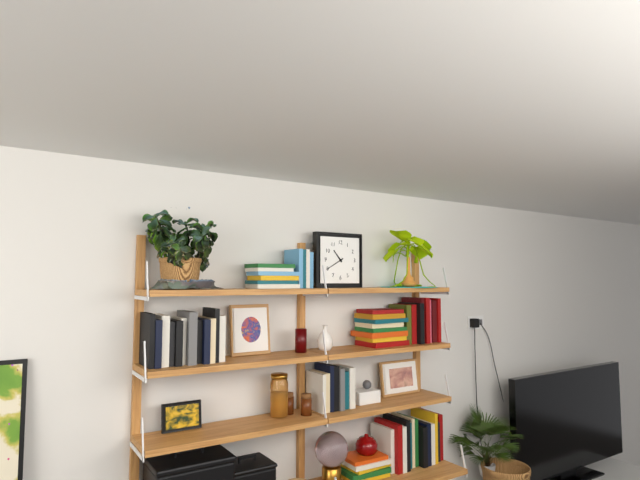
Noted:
10,40
